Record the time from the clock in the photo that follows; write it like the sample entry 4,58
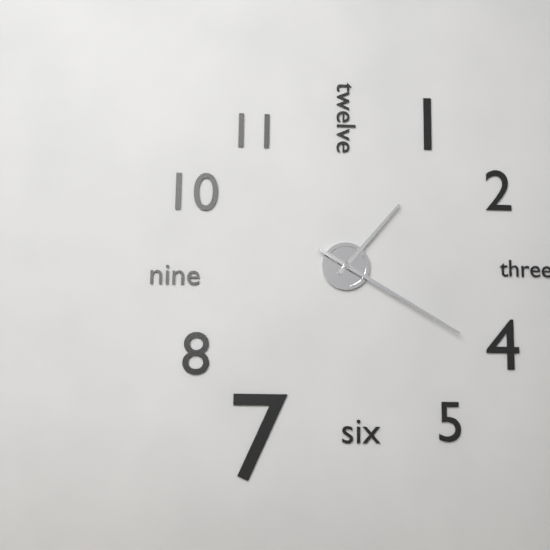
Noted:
1,20
